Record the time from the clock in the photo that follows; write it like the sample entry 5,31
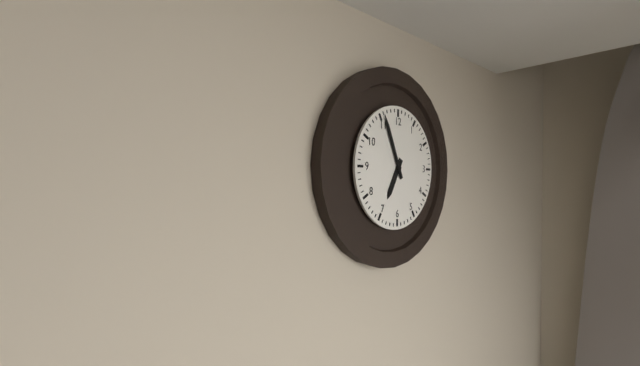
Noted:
6,56
